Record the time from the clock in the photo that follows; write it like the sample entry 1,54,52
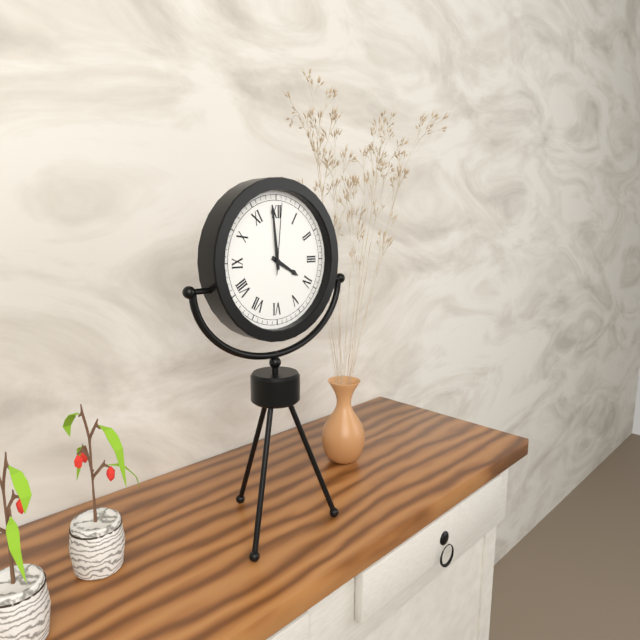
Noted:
3,59,01
